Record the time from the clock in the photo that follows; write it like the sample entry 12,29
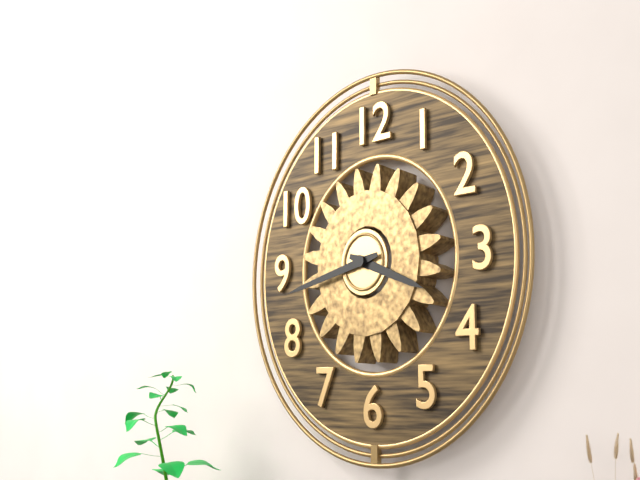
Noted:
3,43
